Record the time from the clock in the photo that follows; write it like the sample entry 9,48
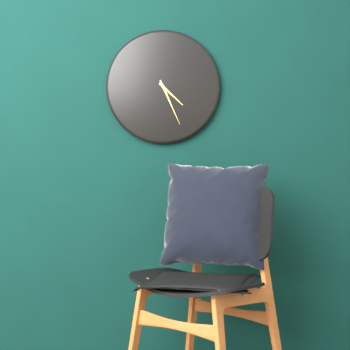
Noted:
4,26
